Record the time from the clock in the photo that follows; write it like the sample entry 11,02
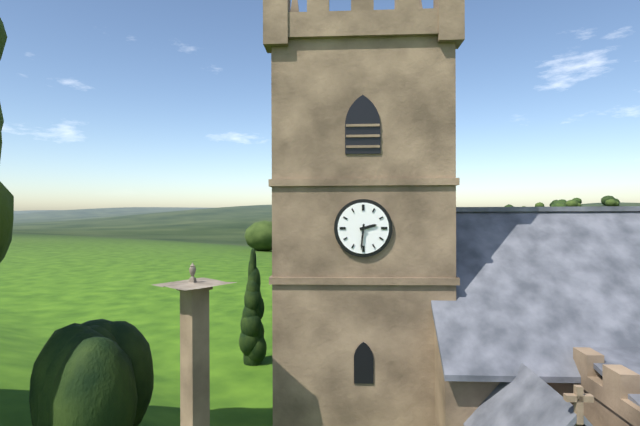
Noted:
2,31
